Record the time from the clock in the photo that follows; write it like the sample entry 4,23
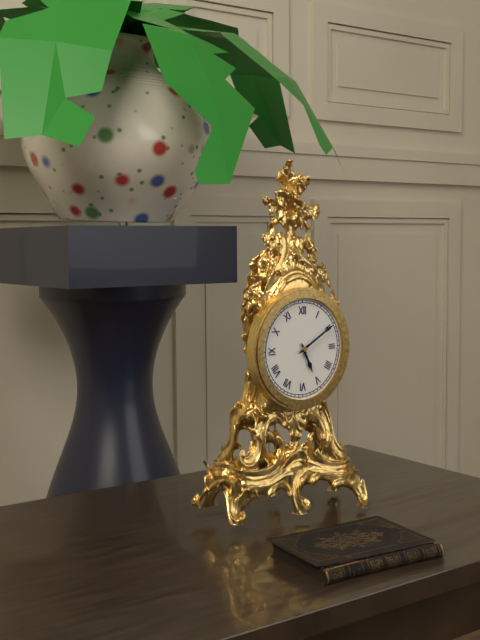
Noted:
5,10
